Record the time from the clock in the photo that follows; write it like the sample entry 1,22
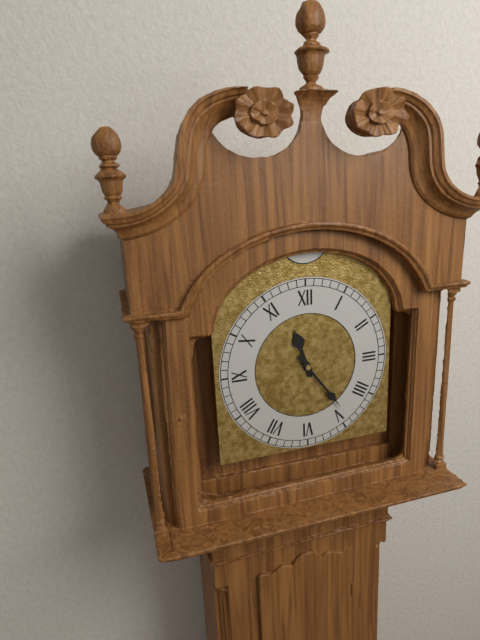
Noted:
11,24
